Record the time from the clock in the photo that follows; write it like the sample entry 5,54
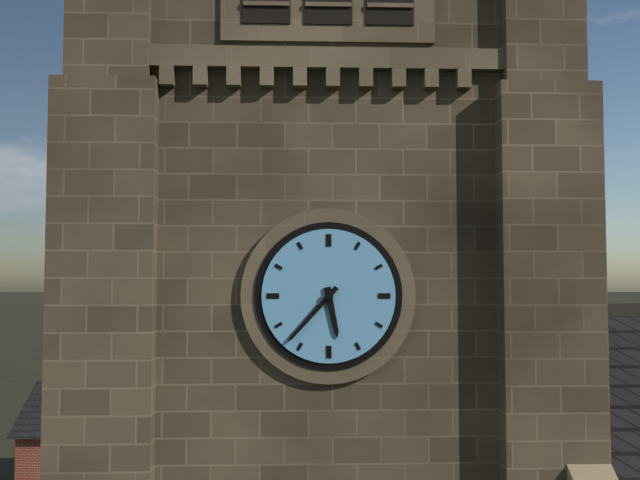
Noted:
5,37
